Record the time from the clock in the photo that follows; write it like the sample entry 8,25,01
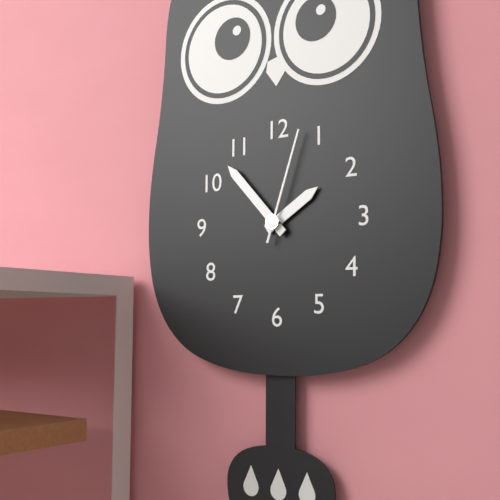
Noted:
1,53,03
